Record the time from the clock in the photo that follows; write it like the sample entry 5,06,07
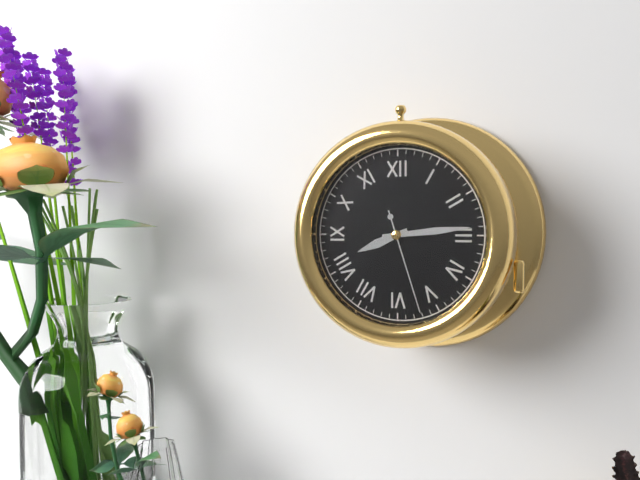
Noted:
8,14,27
